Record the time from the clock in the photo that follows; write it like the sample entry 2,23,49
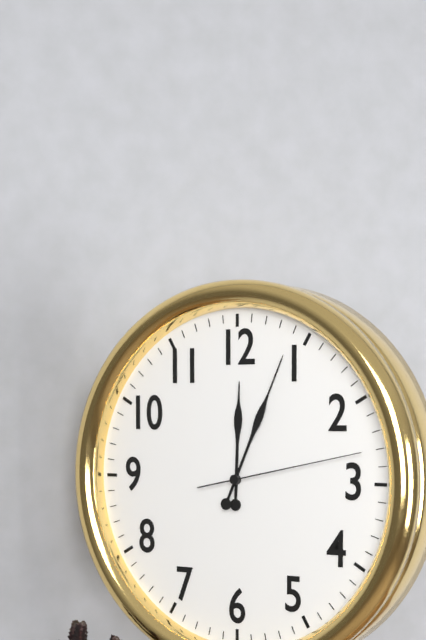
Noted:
12,04,13
